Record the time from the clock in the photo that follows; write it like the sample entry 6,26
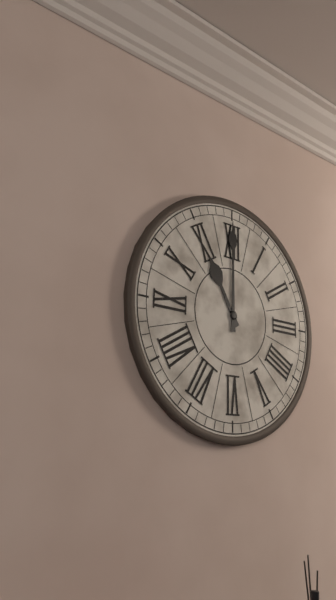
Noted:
11,00
